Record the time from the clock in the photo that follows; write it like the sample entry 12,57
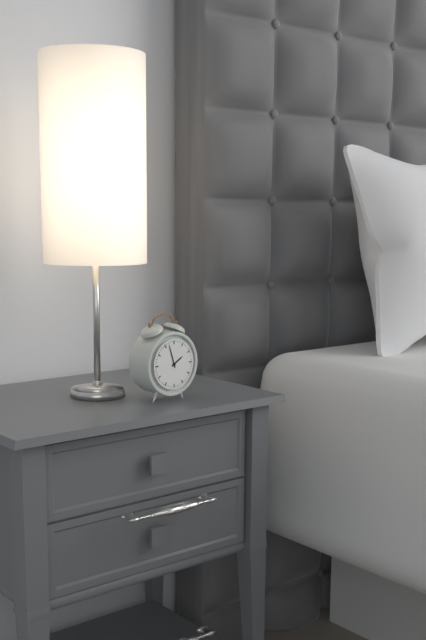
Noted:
1,57
